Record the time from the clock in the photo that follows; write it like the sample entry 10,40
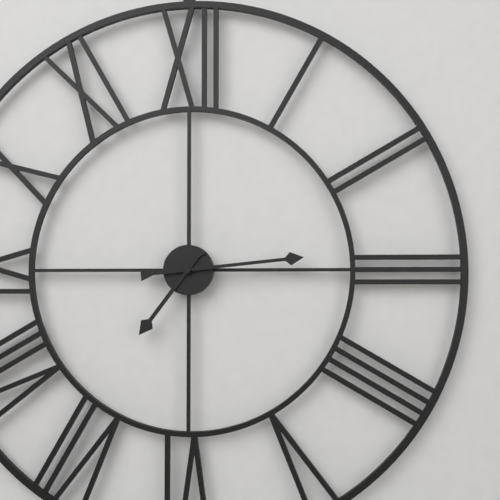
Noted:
7,14
